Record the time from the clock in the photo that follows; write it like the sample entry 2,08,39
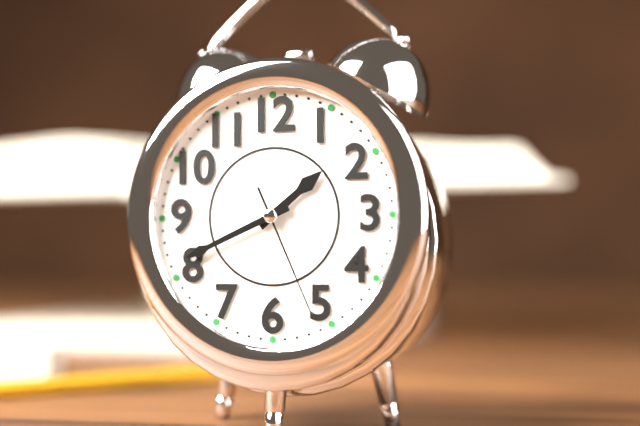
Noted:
1,41,26
